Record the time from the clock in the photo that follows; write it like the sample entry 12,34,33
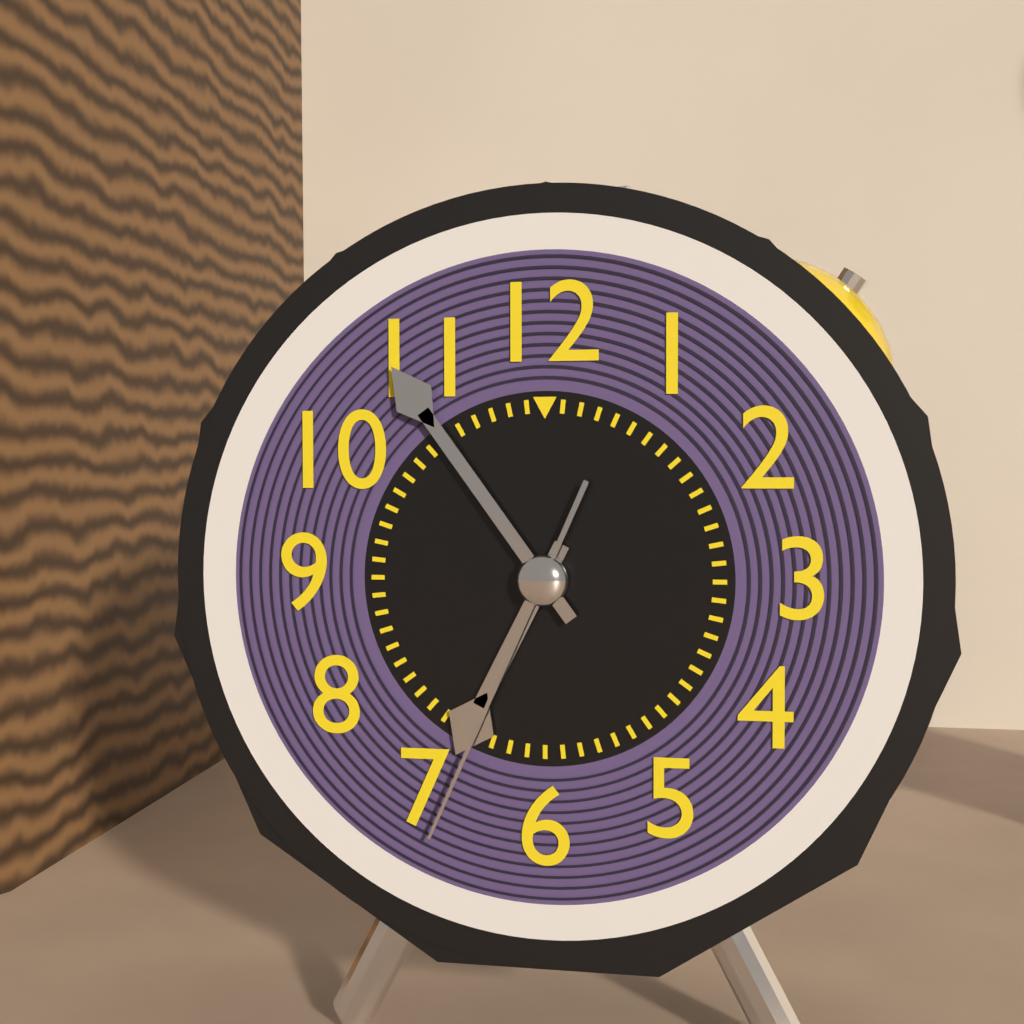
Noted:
6,54,34
